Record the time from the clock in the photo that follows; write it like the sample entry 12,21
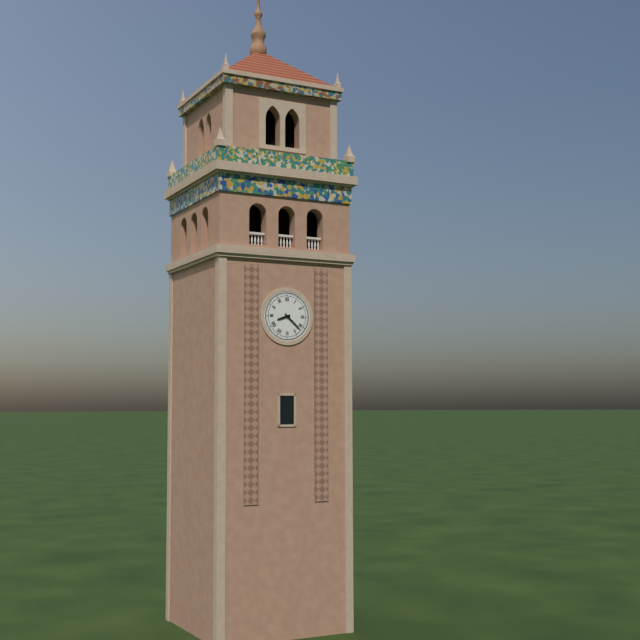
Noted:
8,22
